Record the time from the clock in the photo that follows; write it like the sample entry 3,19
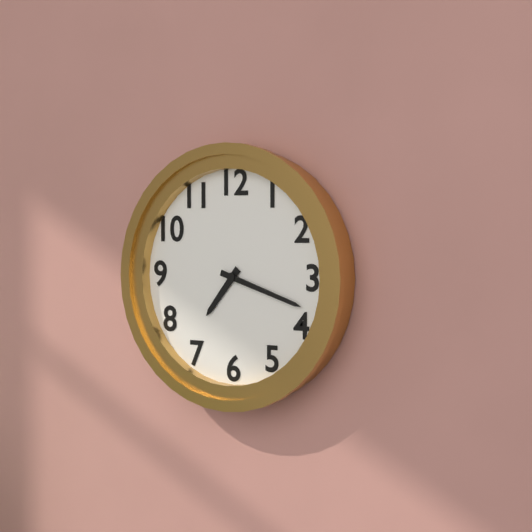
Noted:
7,18
